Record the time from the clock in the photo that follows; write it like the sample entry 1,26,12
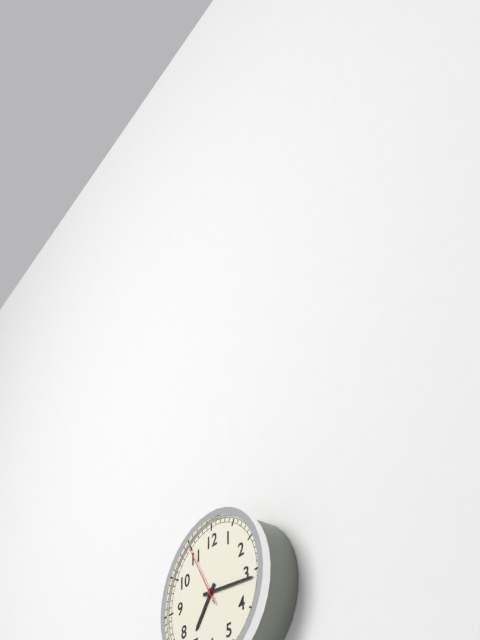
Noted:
7,16,55
